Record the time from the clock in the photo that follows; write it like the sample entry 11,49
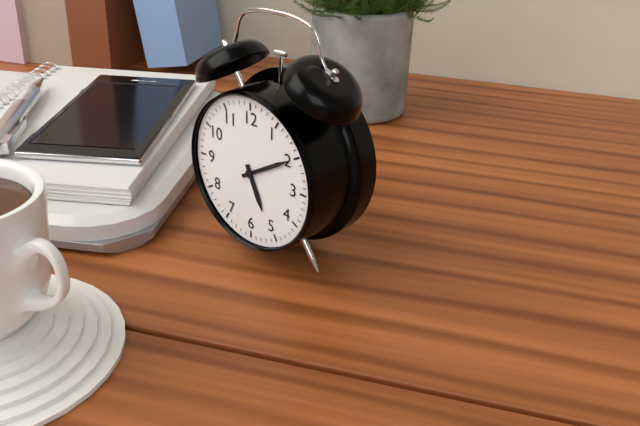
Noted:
5,10
